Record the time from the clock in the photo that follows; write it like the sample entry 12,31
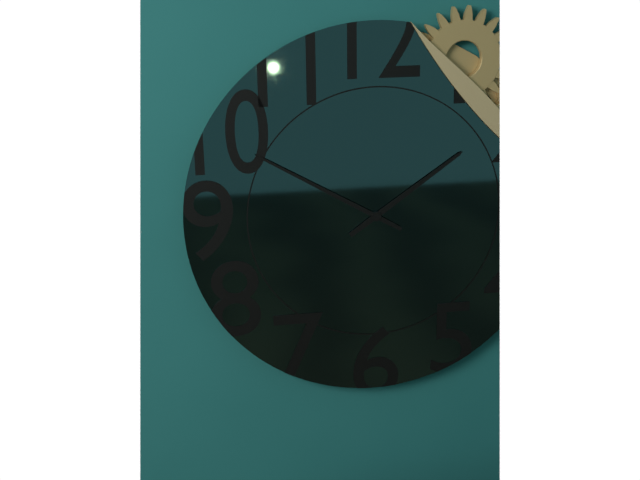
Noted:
1,50
